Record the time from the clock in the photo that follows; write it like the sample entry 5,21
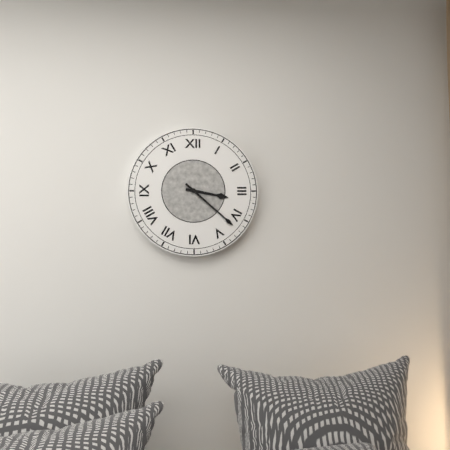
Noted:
3,22
